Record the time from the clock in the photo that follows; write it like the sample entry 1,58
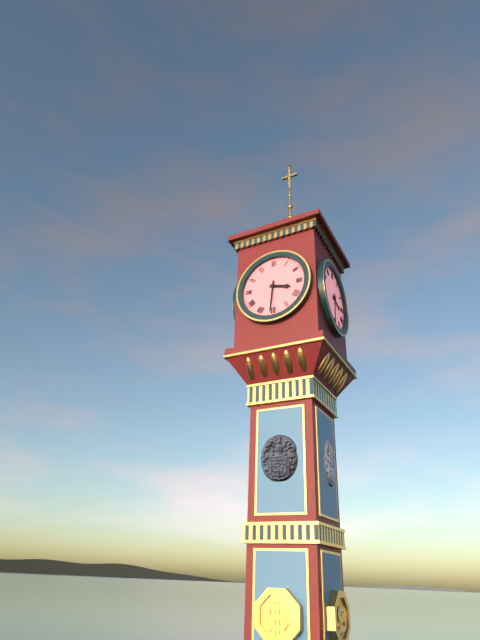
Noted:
3,31
